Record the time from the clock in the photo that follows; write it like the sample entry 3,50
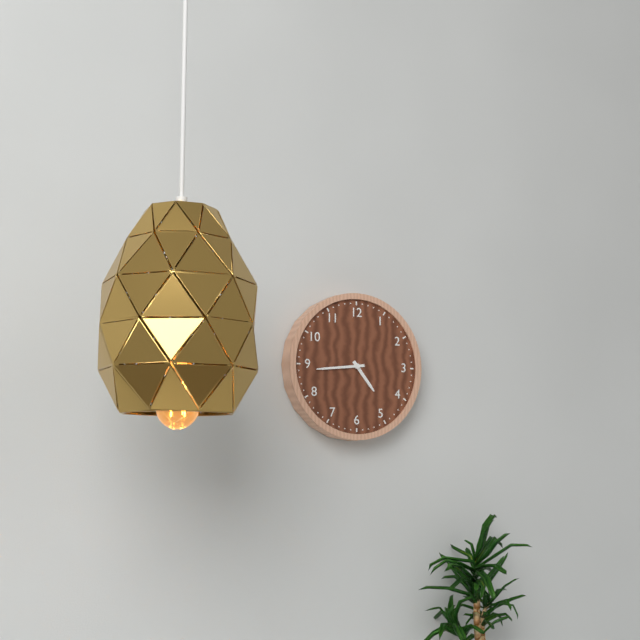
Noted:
4,44
